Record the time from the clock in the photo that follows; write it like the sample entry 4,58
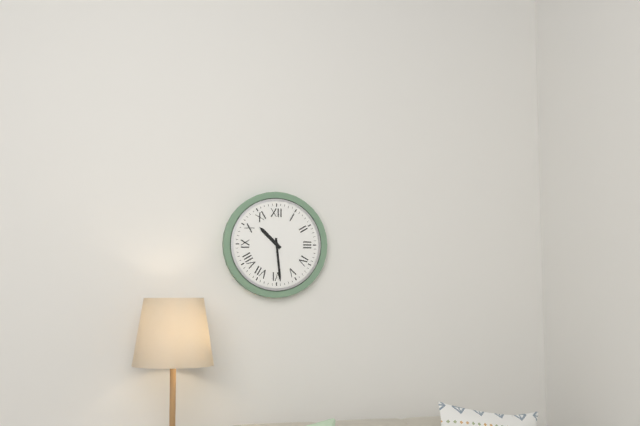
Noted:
10,29
